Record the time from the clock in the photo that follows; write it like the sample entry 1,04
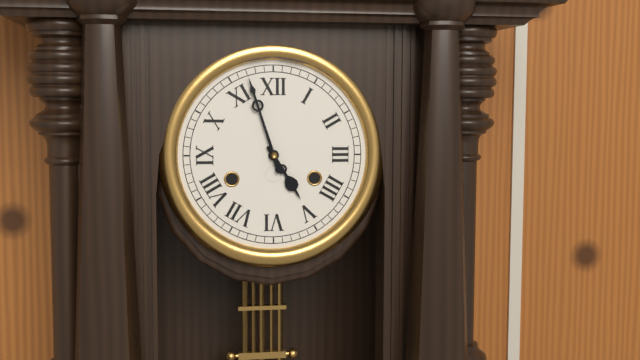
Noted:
4,57
